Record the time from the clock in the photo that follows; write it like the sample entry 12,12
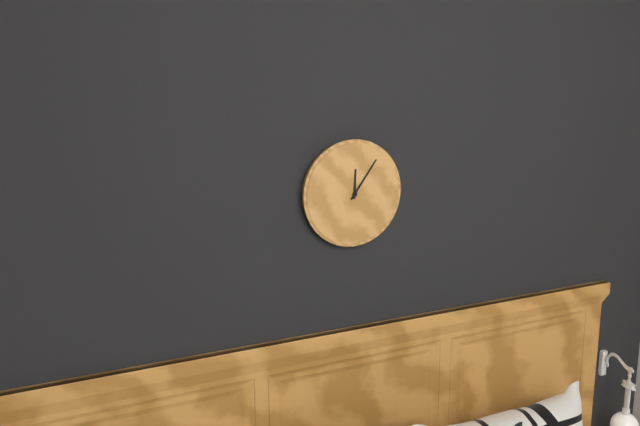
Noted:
12,06
